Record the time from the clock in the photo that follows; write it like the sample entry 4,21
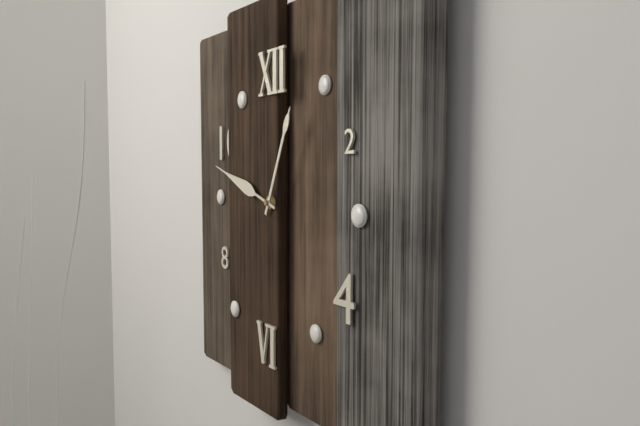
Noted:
12,48
